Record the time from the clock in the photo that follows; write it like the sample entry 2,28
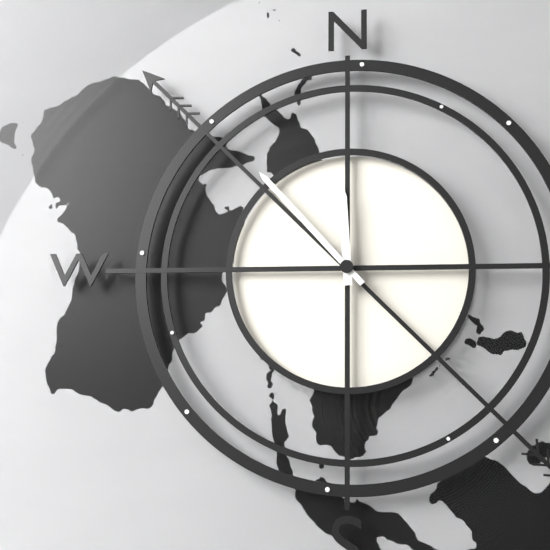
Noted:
11,53
